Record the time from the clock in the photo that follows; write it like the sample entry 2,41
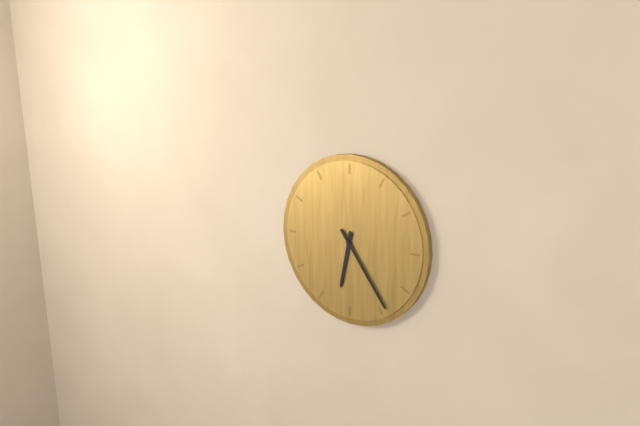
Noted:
6,24
